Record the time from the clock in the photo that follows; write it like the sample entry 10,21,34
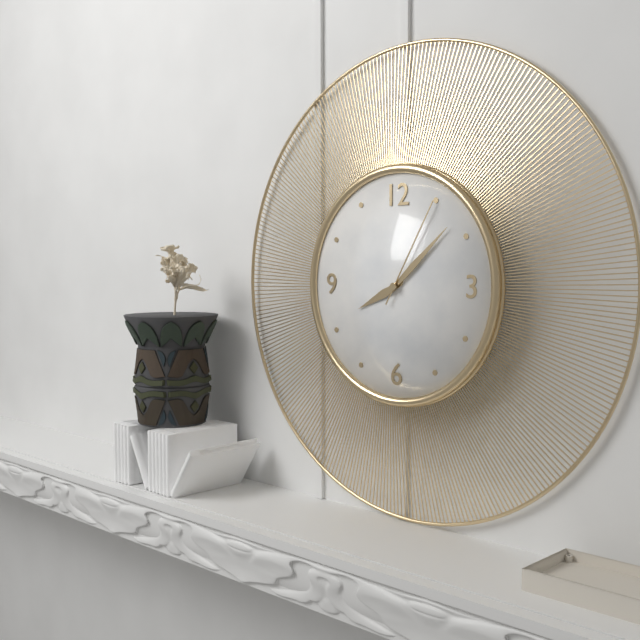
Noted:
8,08,05
